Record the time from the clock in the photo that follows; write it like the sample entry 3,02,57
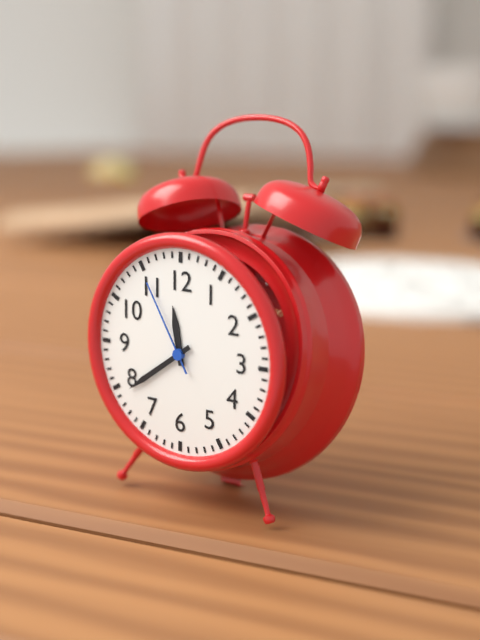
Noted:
11,39,55
